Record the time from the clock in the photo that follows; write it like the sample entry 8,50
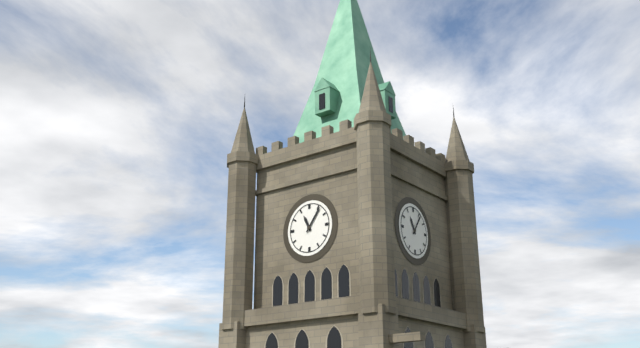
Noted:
11,06
